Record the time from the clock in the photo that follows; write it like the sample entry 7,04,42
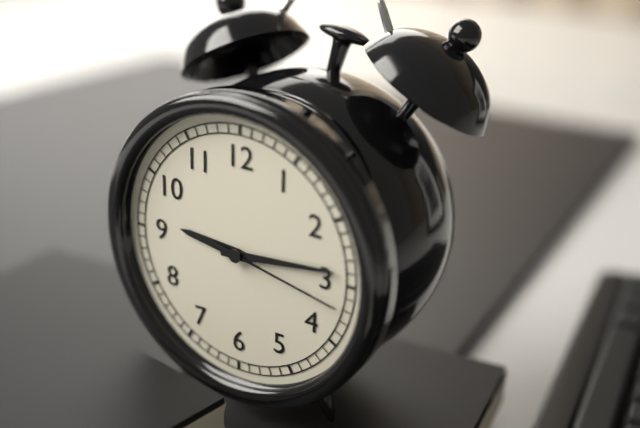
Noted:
9,14,17
